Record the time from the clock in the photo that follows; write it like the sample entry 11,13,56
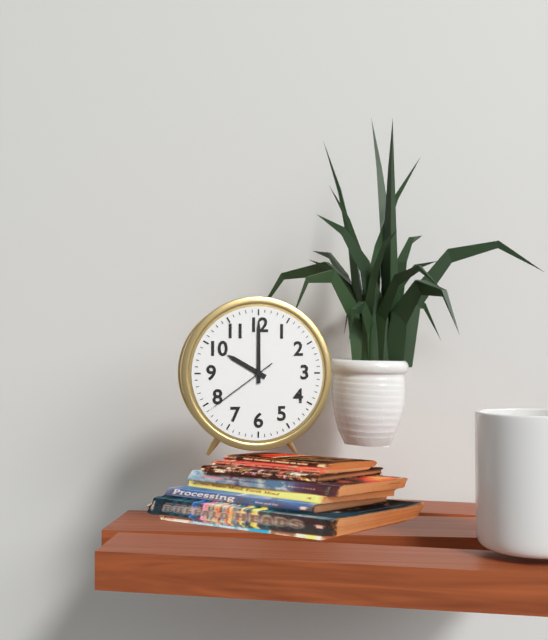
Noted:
10,00,39
